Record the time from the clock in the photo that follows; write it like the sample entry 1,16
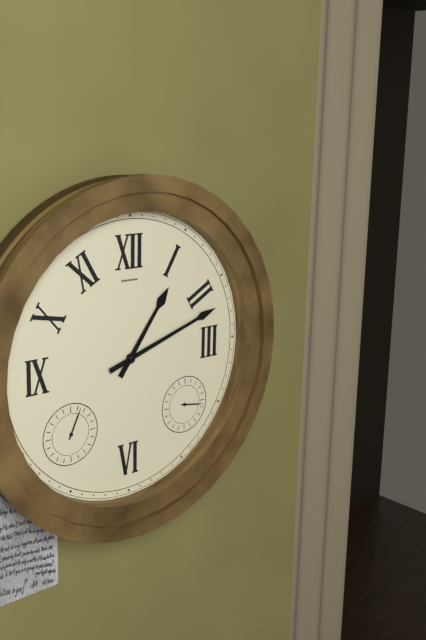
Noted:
1,12
